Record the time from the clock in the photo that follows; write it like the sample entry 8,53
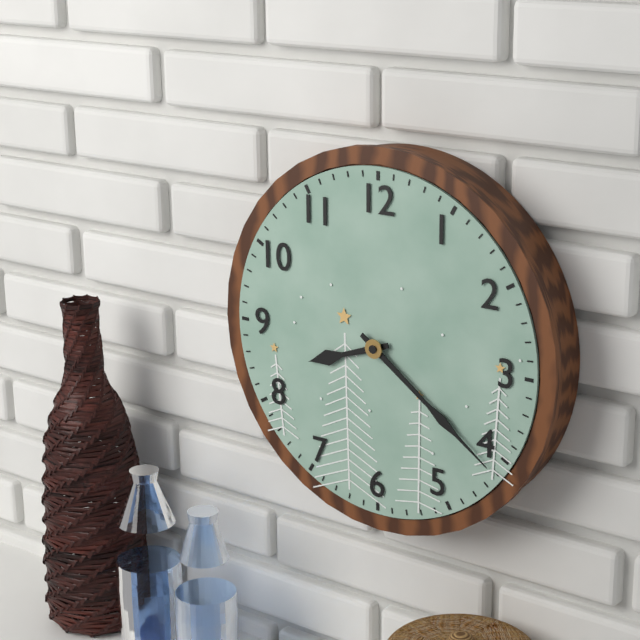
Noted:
8,21
